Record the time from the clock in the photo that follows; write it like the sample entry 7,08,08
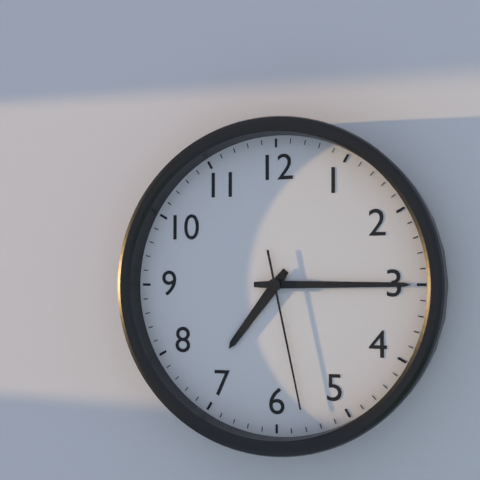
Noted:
7,15,28
